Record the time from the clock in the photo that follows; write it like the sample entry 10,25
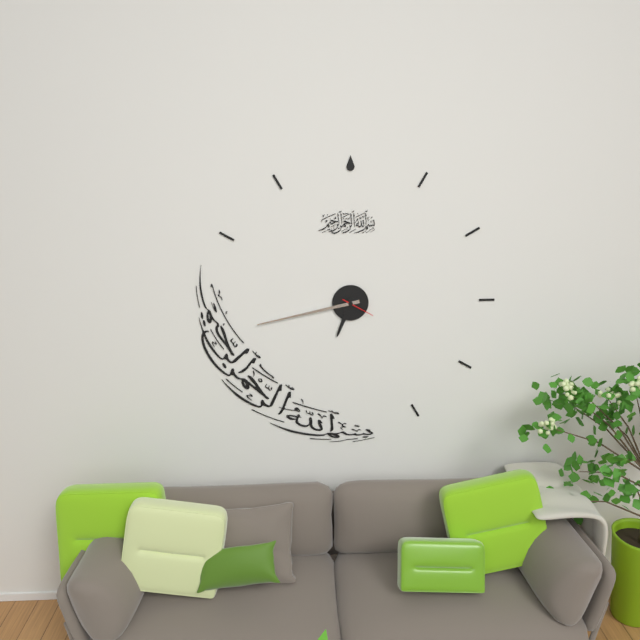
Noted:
6,43
